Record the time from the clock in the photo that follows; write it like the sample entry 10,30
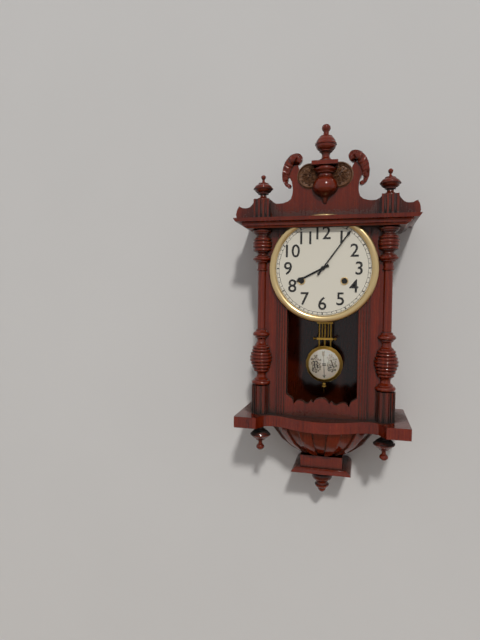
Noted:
8,06
